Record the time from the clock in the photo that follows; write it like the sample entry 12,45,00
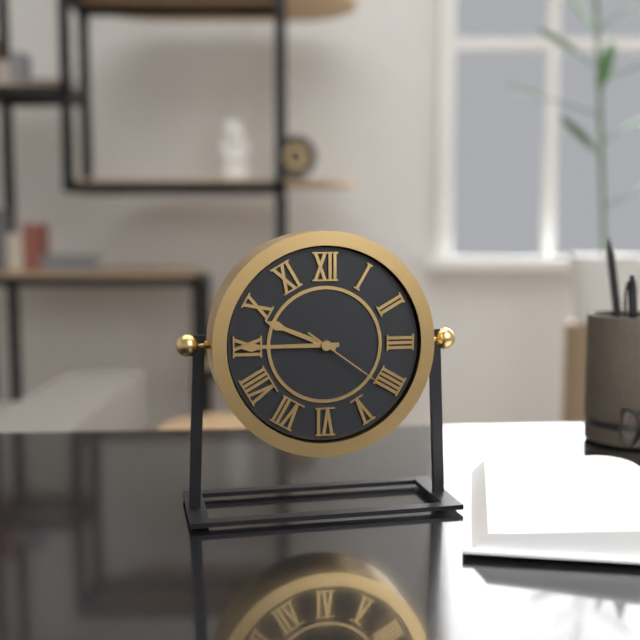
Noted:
9,45,21
